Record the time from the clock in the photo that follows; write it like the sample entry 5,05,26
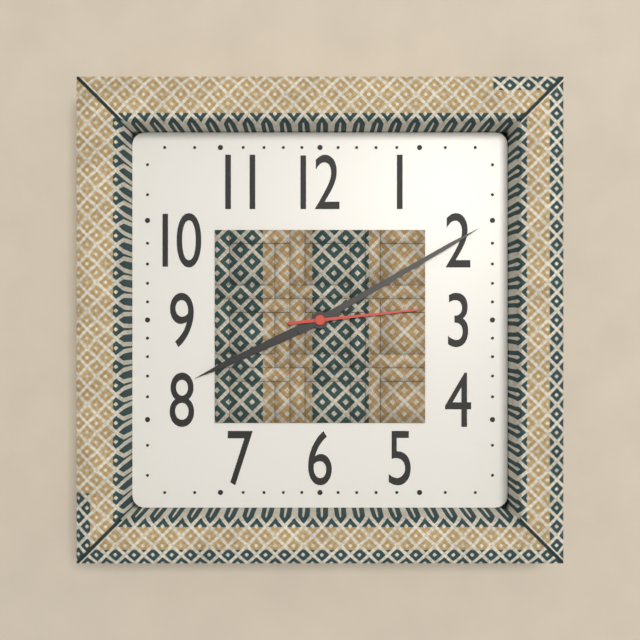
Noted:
8,10,14
